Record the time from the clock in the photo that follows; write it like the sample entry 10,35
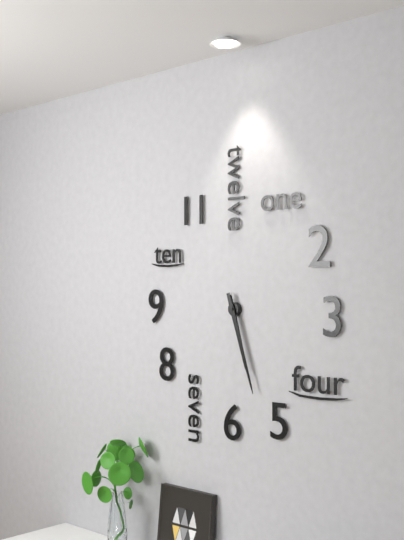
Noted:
5,27
